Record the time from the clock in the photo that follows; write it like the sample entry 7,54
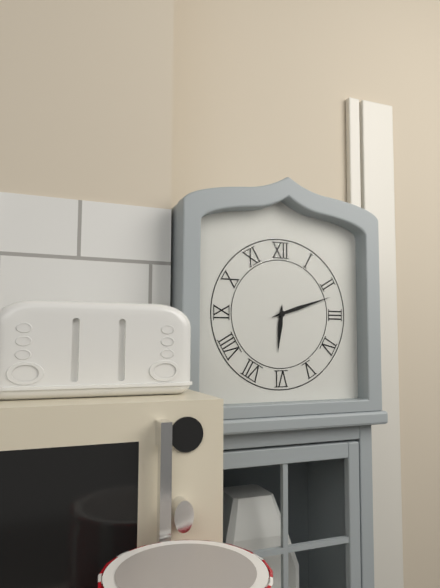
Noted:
6,12
